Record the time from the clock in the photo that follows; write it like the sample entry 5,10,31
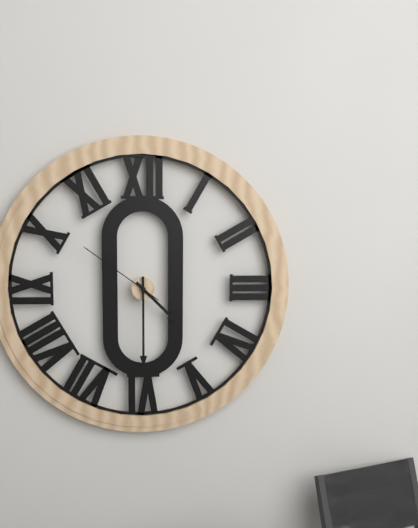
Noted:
4,30,51
